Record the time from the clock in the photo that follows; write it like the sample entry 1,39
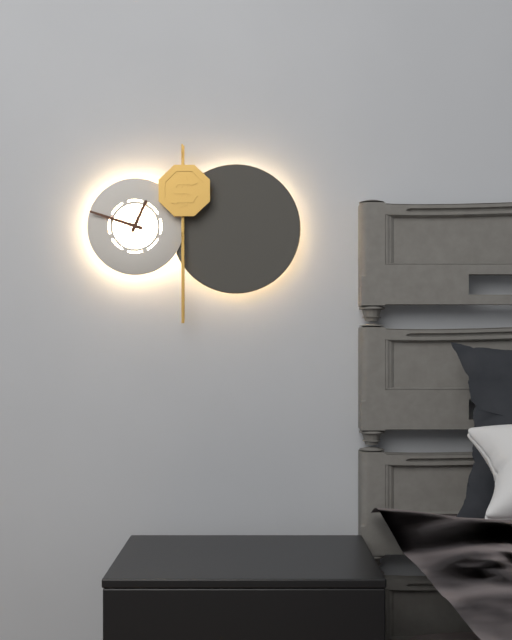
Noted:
12,48
